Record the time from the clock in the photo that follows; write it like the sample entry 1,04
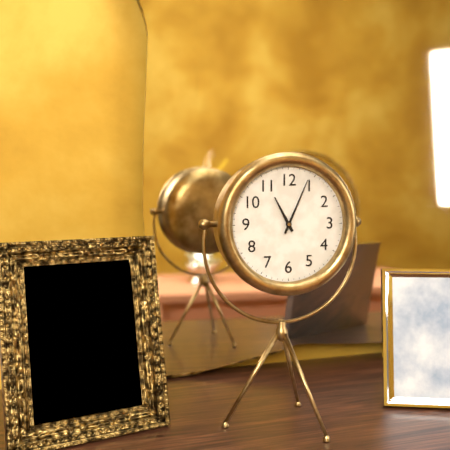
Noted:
11,04
